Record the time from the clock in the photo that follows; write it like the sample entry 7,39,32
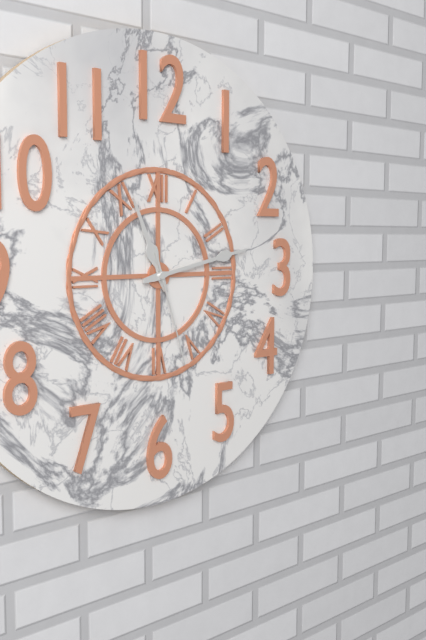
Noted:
11,13,27
